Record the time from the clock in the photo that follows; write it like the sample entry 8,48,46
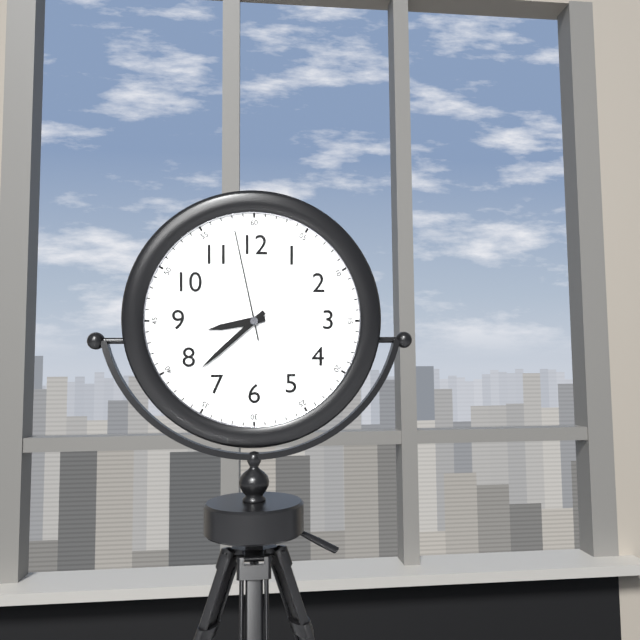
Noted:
8,38,58
